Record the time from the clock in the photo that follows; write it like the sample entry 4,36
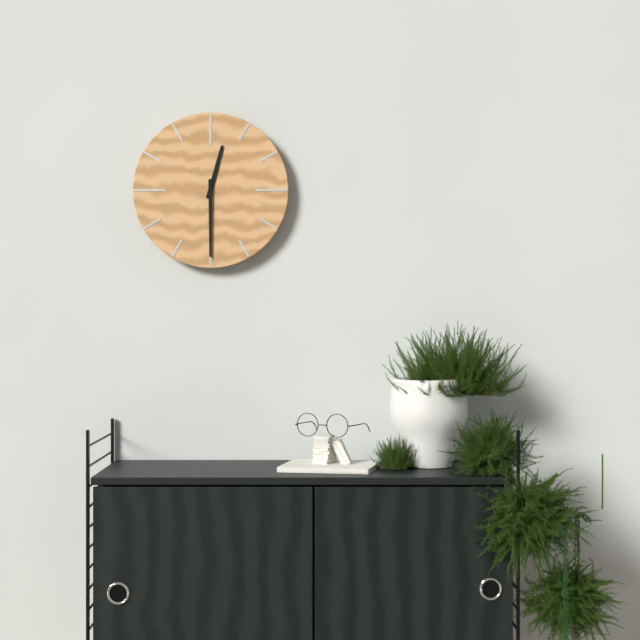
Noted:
12,30
